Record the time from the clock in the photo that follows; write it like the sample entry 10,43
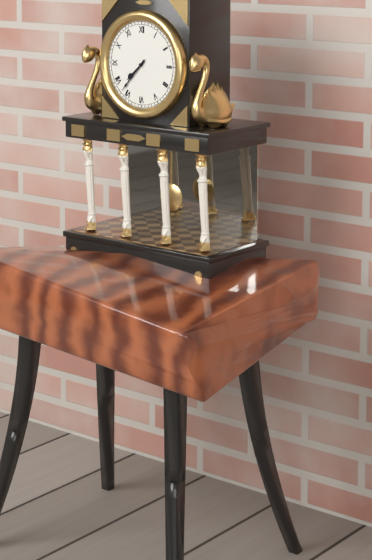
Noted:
7,37
